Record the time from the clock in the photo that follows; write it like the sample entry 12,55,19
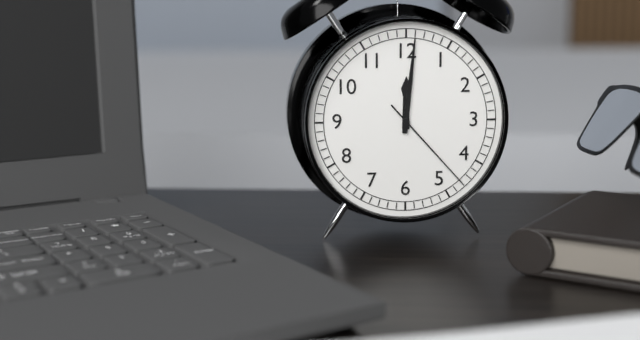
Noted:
12,01,23
